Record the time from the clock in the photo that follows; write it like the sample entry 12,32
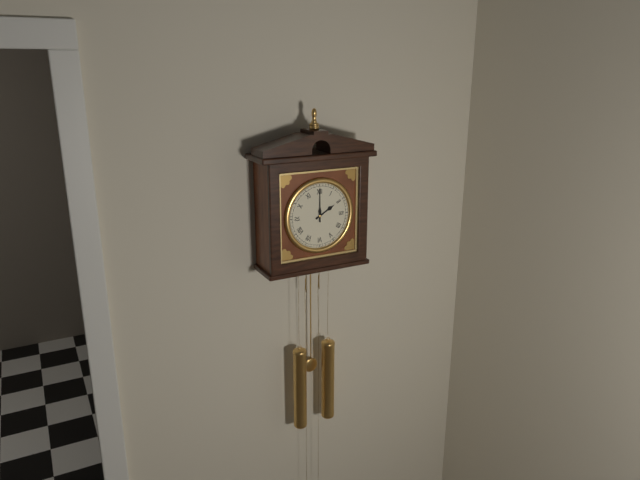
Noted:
2,00
